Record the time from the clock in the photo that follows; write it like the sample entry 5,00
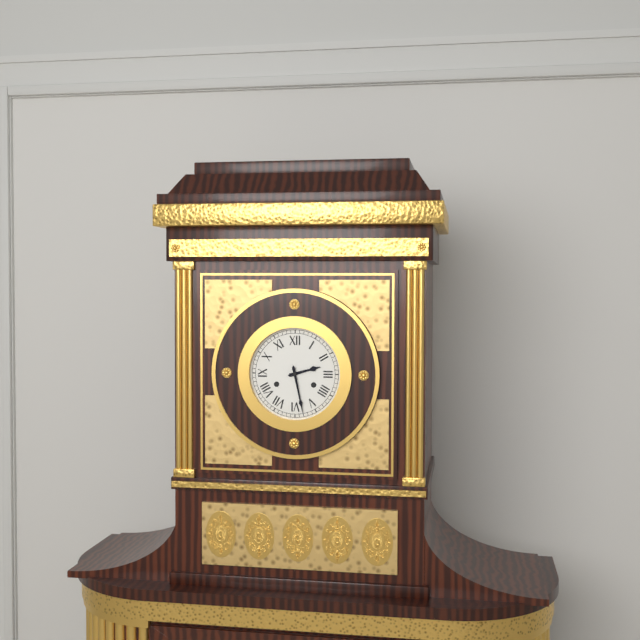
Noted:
2,28
